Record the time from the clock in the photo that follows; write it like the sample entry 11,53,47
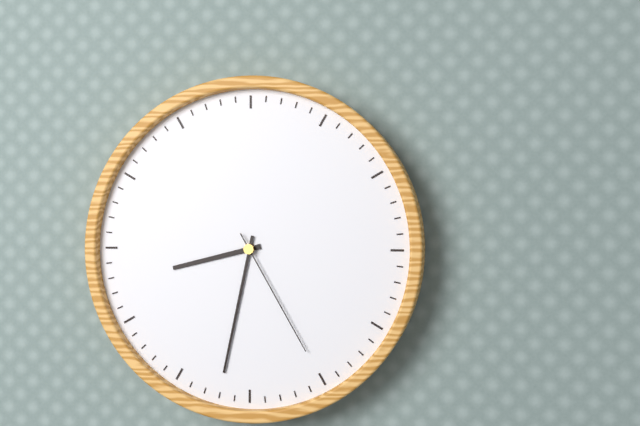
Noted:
8,32,25
